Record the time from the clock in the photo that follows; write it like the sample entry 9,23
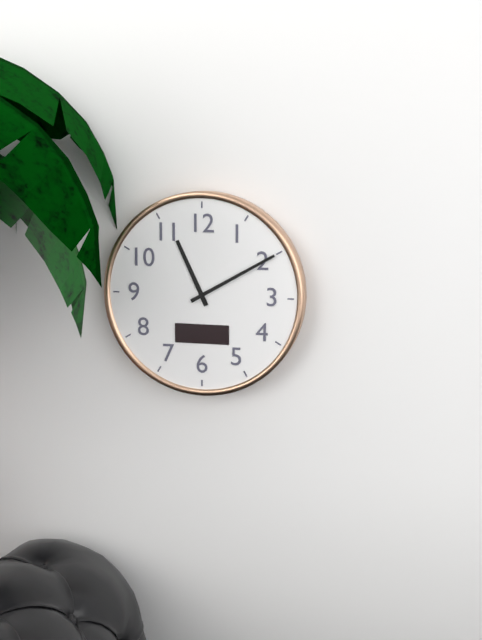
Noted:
11,10
